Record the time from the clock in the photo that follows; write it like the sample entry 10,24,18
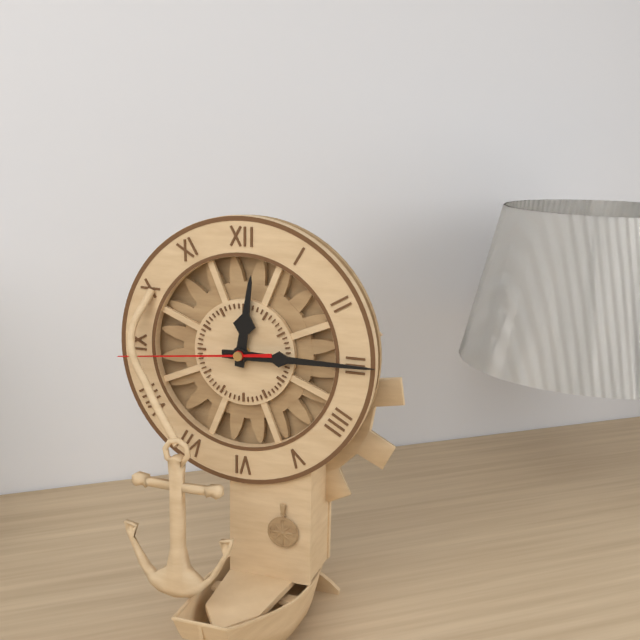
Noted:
12,15,44
